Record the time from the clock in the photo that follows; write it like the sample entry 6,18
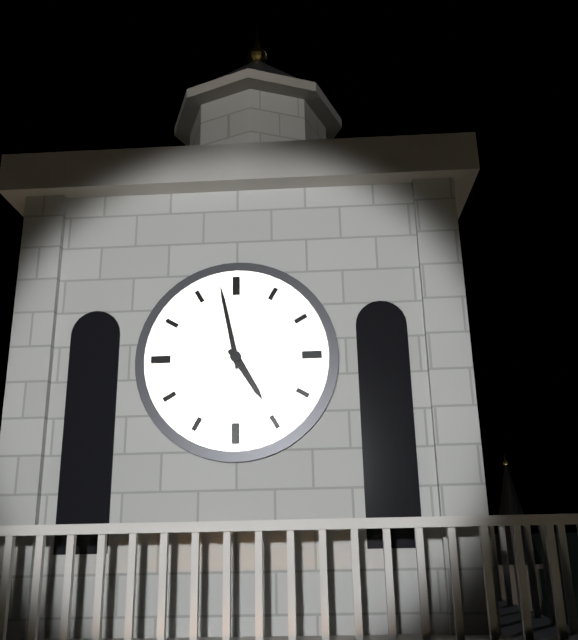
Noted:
4,58
